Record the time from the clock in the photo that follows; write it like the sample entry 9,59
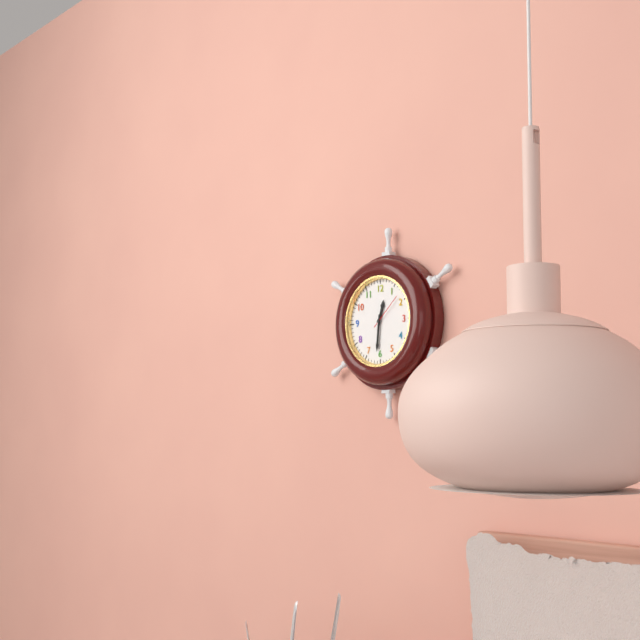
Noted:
12,31
